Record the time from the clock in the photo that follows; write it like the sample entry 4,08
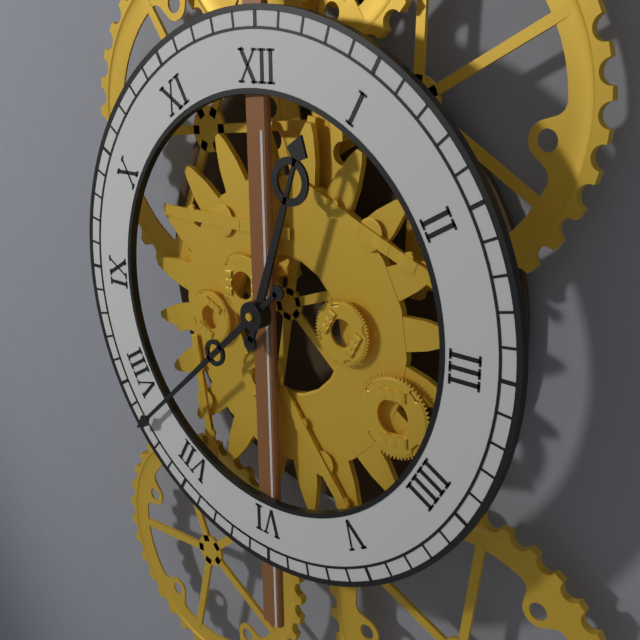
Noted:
12,38
